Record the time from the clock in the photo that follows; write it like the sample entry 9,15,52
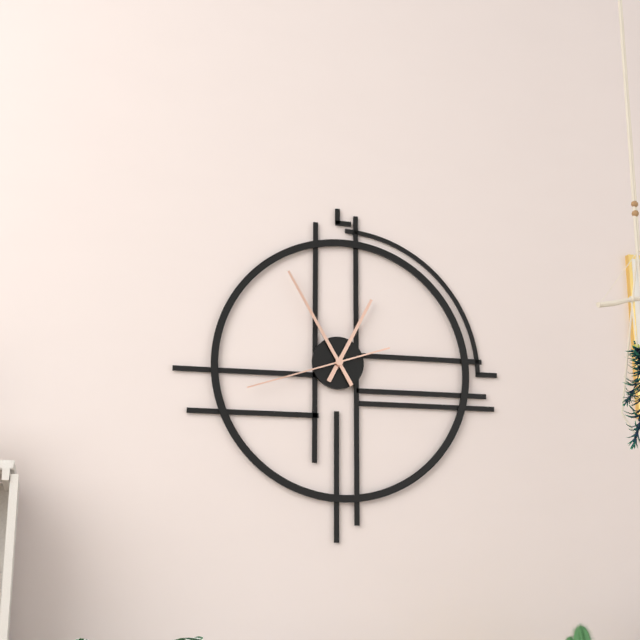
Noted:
12,55,42
